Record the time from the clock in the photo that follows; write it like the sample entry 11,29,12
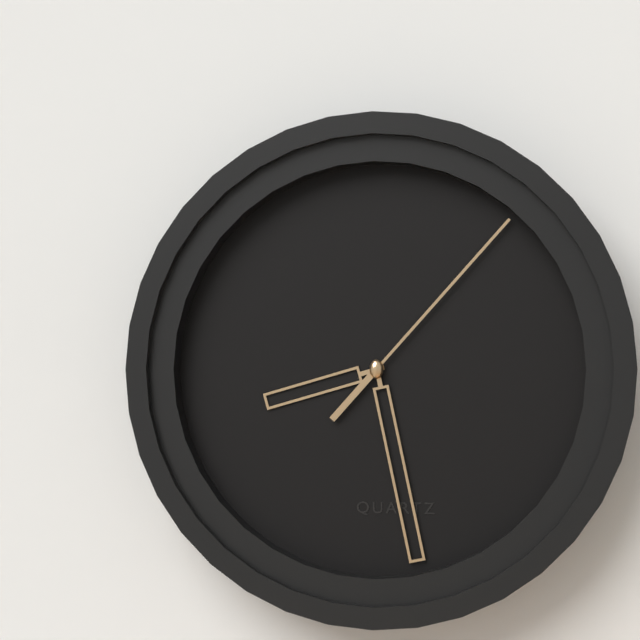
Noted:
8,28,07
